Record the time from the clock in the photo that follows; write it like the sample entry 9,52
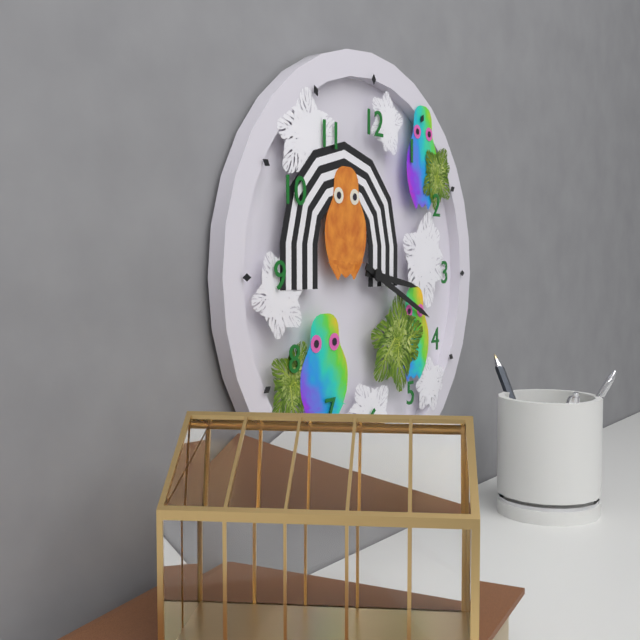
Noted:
3,19
